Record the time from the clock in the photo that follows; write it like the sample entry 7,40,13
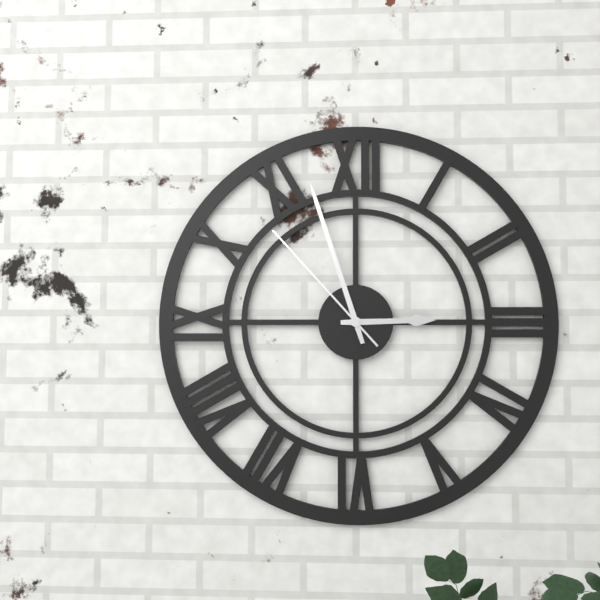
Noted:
2,57,53
